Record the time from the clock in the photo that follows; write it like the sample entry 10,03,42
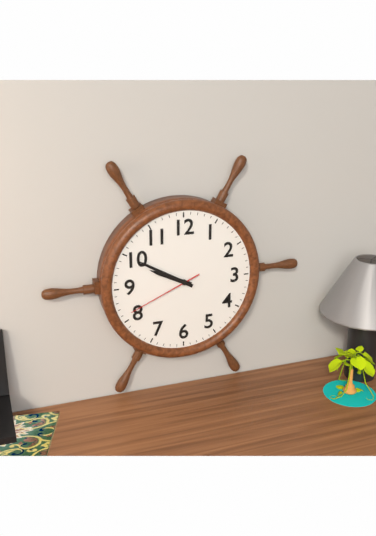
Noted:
9,50,41
